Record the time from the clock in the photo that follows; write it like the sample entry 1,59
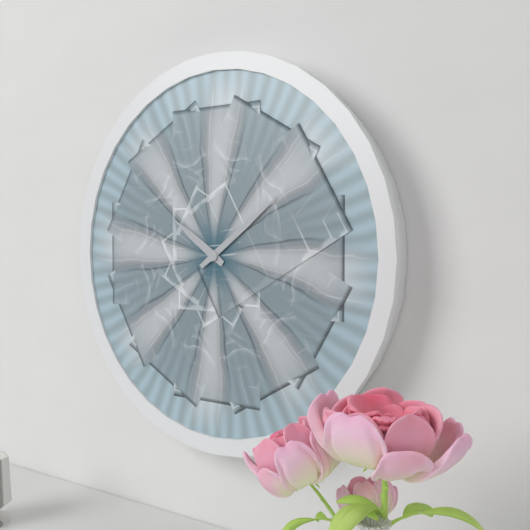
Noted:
10,09
